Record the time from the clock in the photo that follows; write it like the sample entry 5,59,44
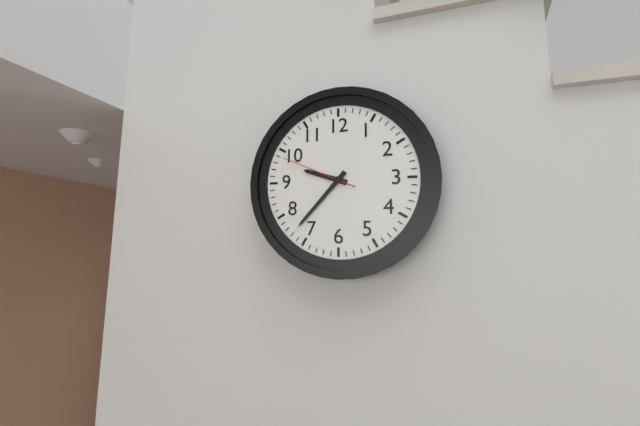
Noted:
9,37,49
